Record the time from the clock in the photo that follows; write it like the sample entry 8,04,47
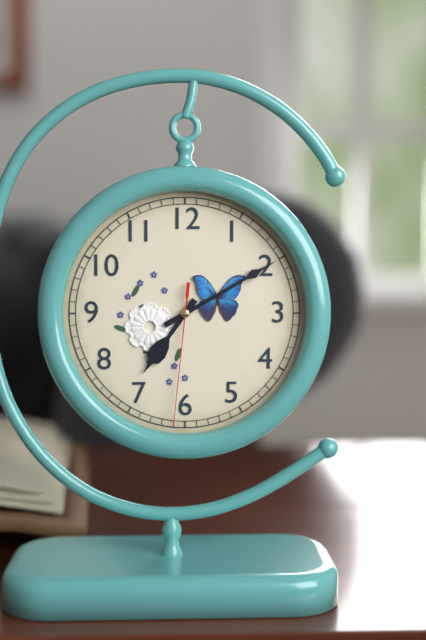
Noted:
7,10,31
